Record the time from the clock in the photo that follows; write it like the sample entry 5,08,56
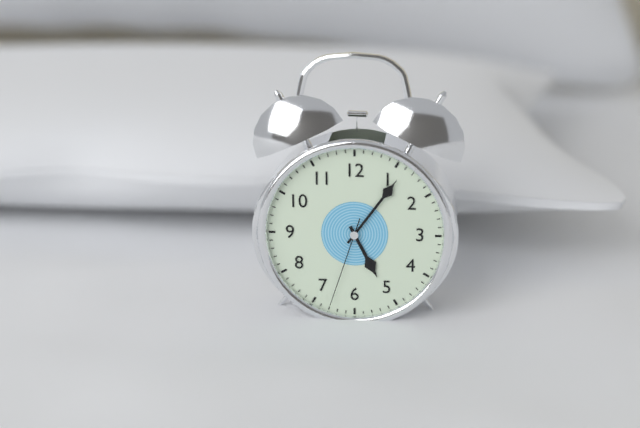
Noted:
5,06,33
